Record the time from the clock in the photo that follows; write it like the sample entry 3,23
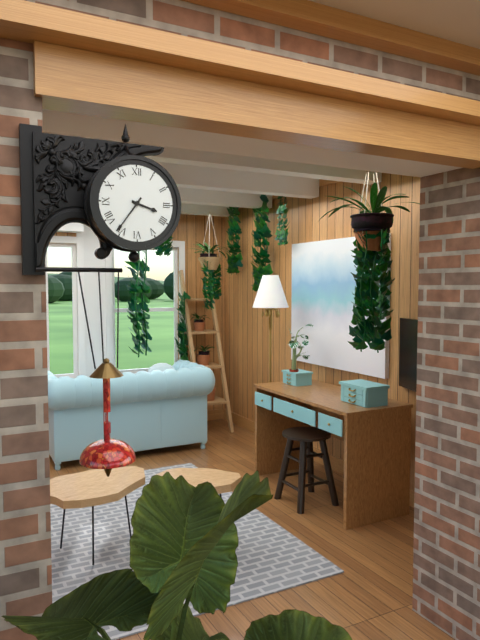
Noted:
3,36
